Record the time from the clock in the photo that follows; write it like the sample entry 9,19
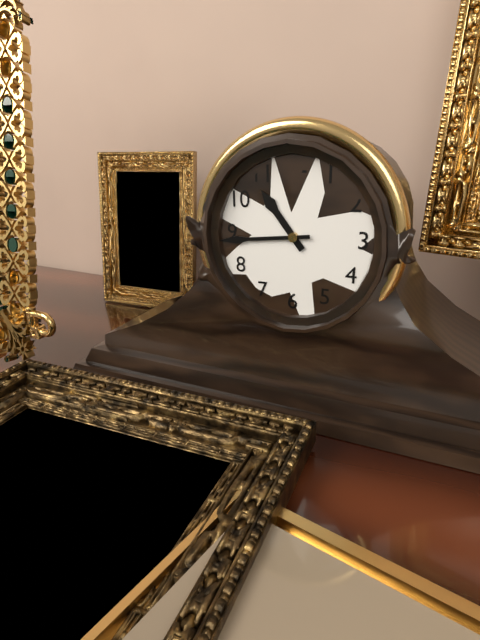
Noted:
10,44
